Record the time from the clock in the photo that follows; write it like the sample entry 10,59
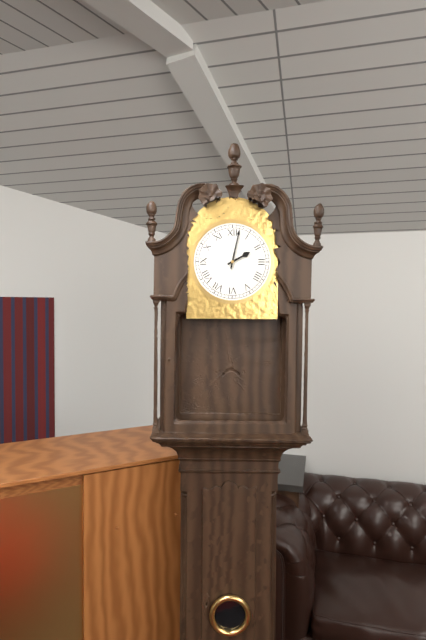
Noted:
2,02
